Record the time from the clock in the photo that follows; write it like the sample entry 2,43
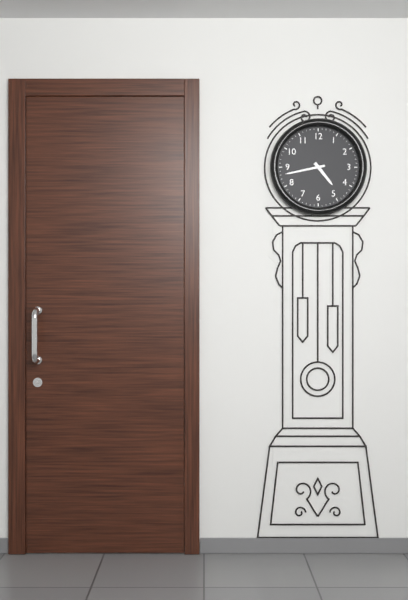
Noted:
4,43
